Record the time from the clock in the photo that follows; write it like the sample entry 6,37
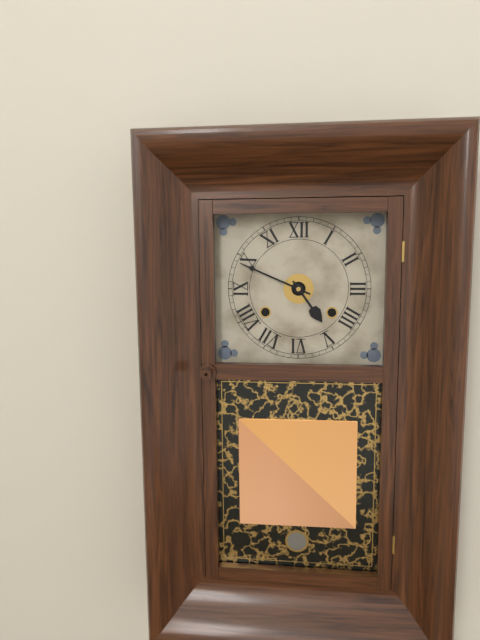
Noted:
4,49
